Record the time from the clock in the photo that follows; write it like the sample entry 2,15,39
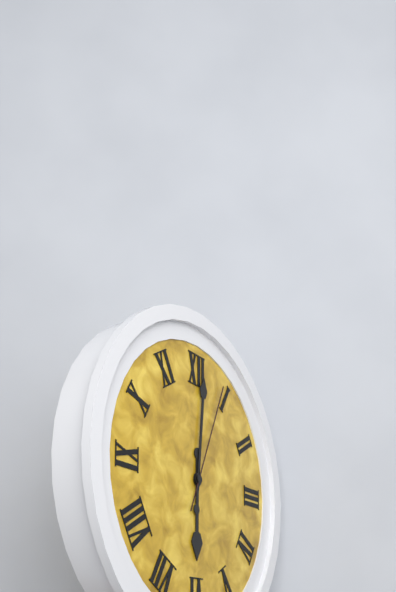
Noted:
6,01,04
